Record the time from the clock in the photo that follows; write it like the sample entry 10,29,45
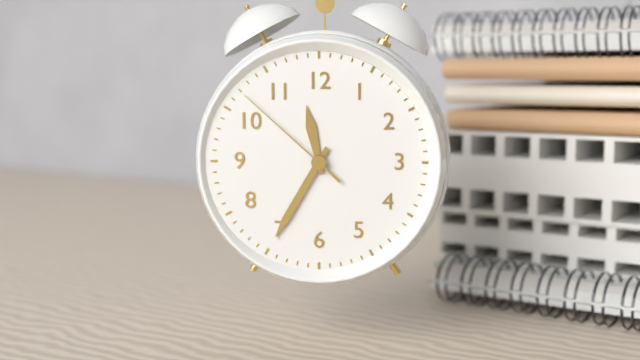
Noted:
11,35,52
